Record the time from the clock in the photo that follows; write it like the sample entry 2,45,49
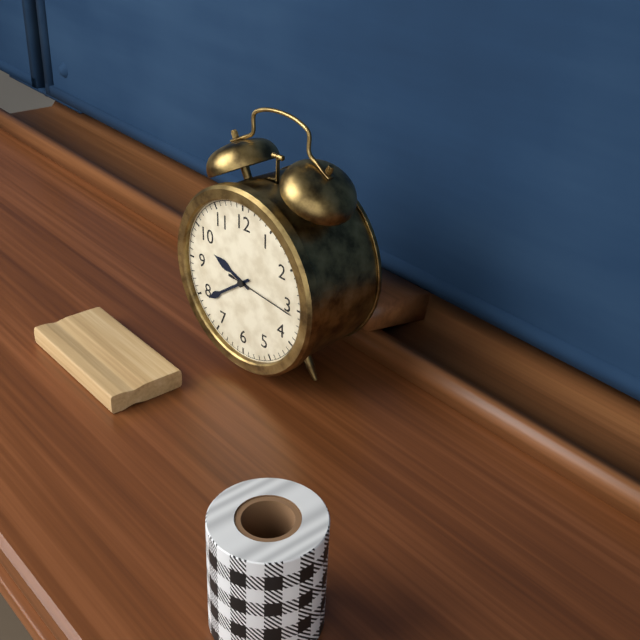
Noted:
9,39,16
